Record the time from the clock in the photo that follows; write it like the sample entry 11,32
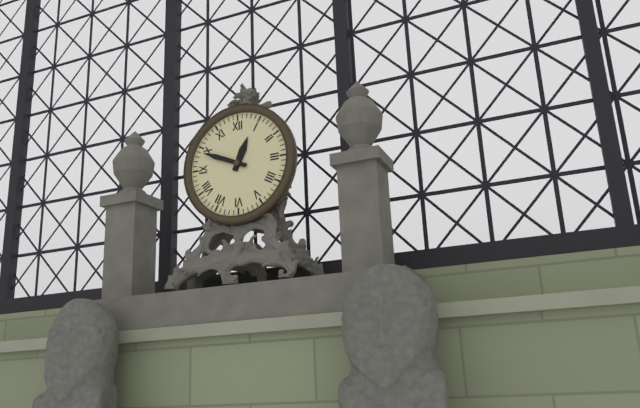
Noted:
12,49
